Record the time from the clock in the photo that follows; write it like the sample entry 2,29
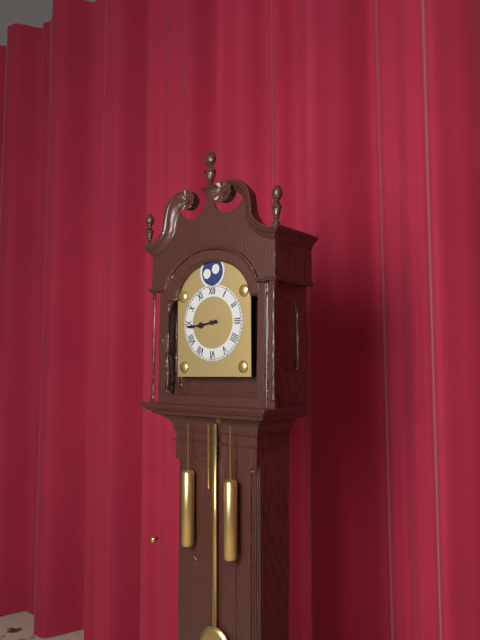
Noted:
8,44
